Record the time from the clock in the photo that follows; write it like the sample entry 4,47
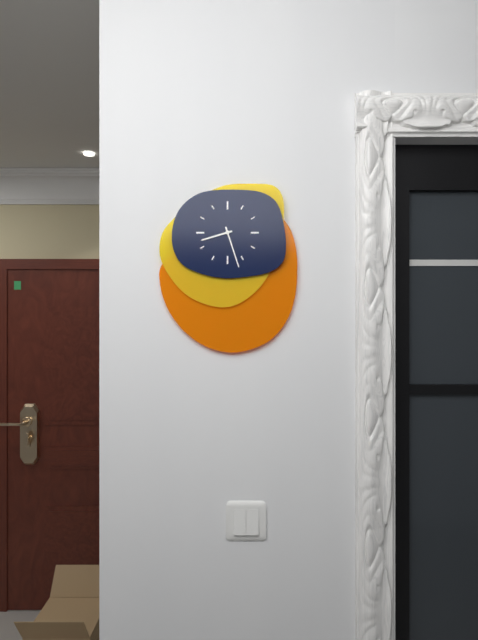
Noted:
8,27
